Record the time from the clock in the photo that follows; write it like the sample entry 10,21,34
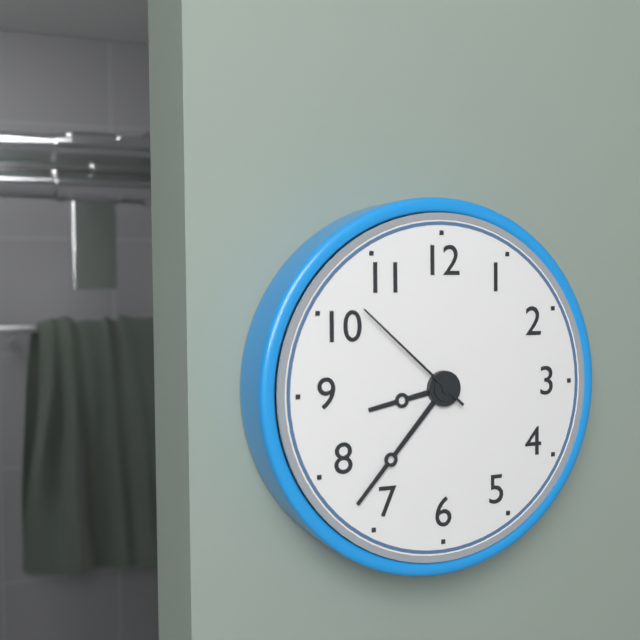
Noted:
8,37,52
